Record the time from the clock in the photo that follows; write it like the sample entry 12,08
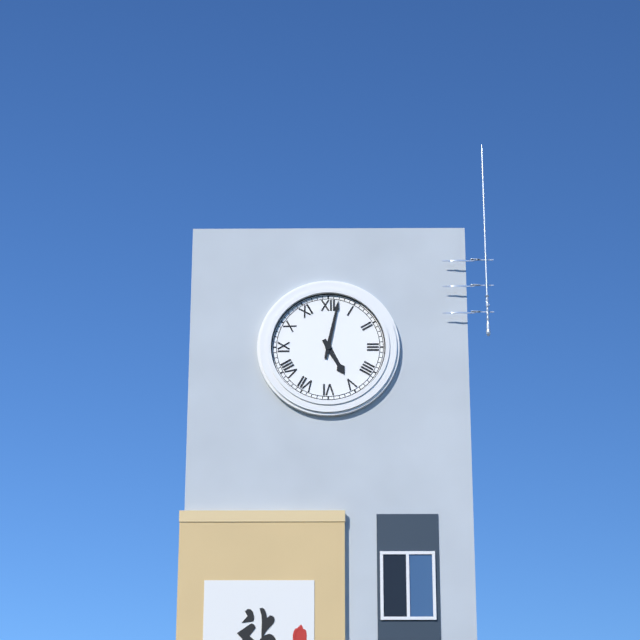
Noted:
5,02
